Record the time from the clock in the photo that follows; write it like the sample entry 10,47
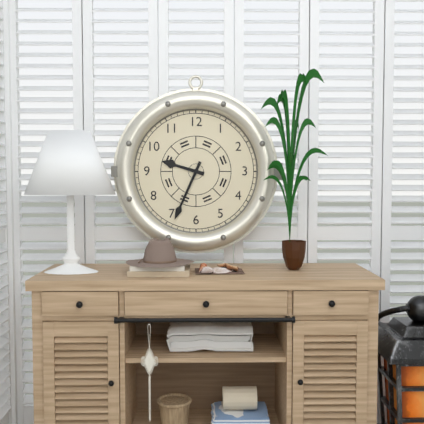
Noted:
9,34
